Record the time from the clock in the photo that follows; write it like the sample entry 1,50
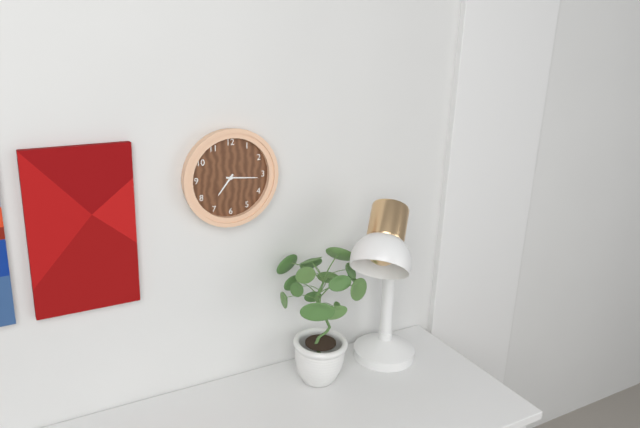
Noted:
7,16
